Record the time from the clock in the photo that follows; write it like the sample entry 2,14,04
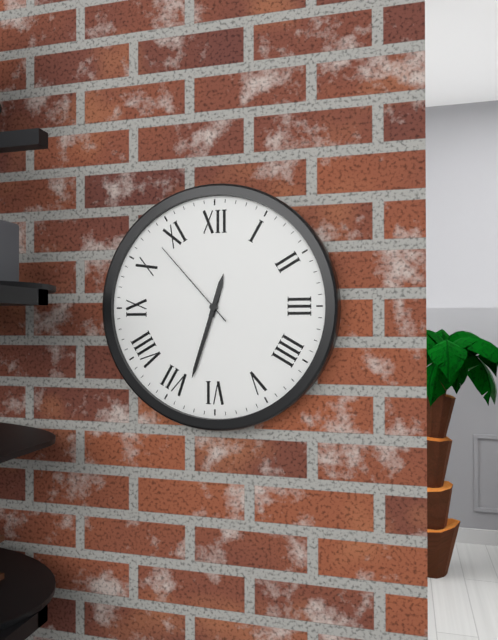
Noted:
12,33,53
